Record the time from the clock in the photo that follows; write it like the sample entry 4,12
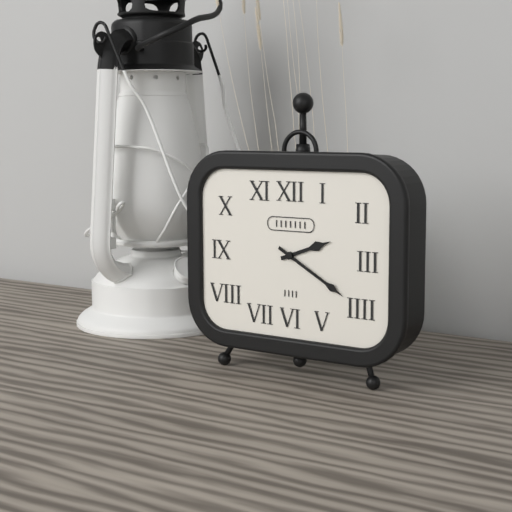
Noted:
2,20
